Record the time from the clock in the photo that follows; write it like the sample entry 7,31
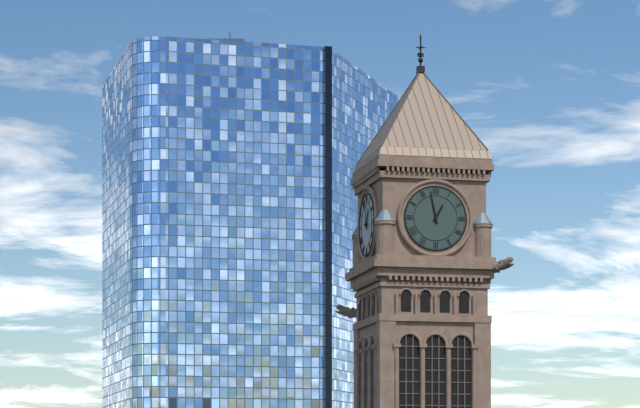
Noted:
12,58
